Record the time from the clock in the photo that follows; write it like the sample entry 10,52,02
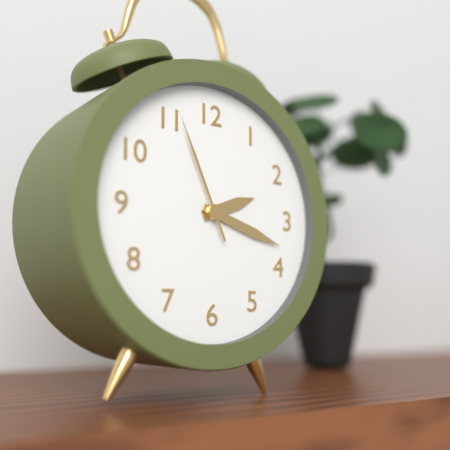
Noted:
2,18,56
